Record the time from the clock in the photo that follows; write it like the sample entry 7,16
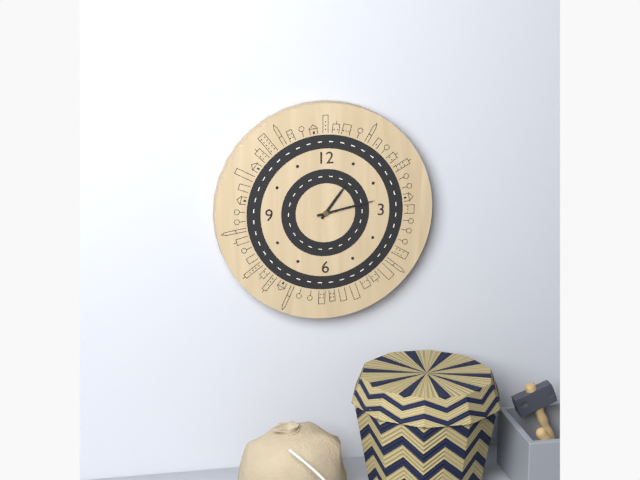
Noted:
1,13
